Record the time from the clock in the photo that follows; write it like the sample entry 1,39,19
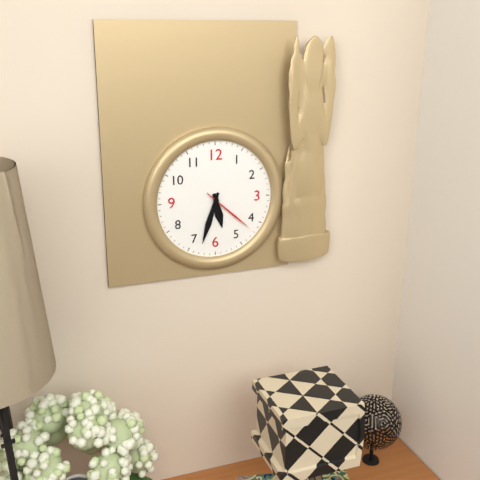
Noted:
5,33,22
